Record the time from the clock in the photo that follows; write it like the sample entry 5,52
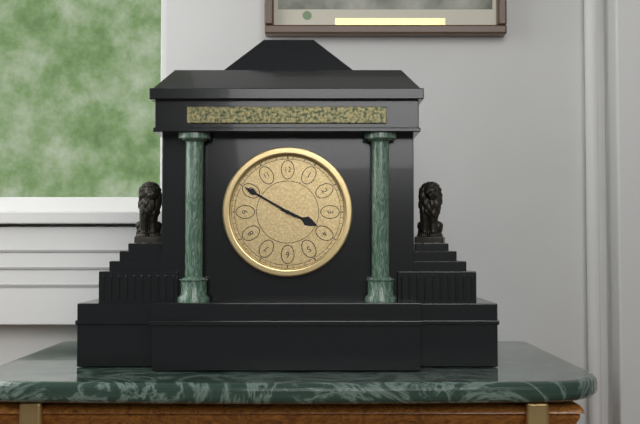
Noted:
3,50
